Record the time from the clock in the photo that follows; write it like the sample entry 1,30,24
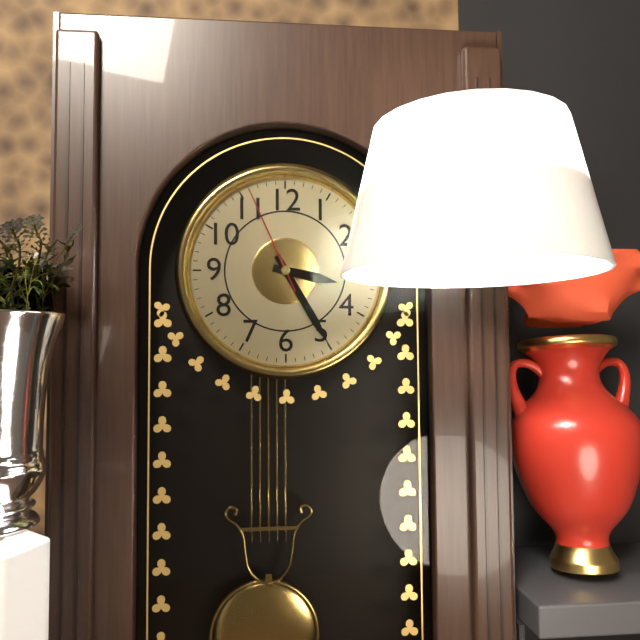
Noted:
3,25,56
